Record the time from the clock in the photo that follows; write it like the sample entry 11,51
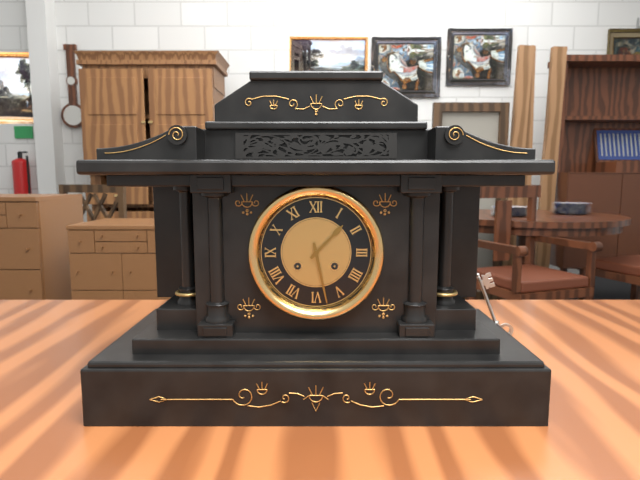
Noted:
1,28
